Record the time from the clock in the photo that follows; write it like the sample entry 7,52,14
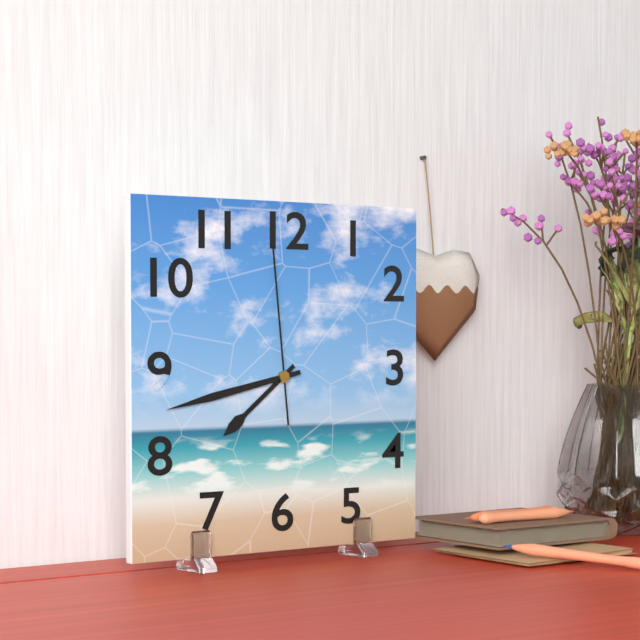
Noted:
7,43,59
